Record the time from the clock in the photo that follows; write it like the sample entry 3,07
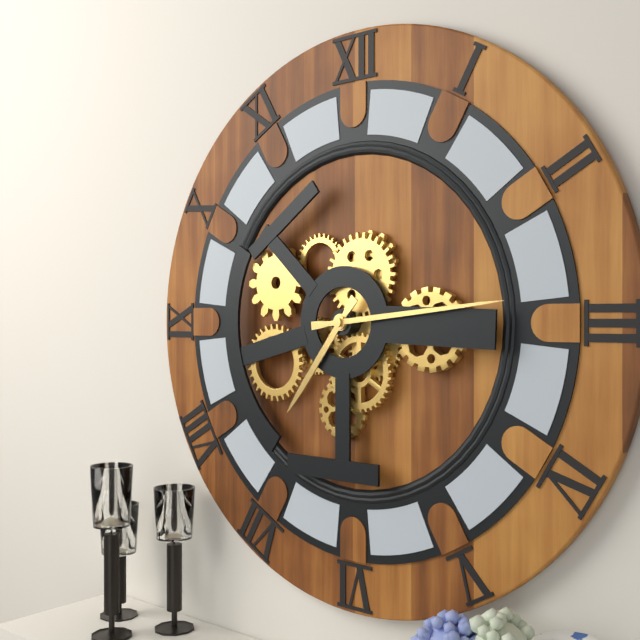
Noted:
7,14
